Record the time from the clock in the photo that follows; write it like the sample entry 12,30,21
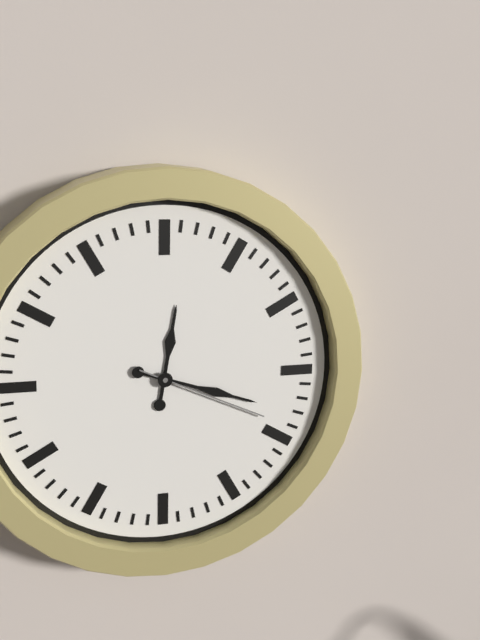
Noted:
12,18,19
